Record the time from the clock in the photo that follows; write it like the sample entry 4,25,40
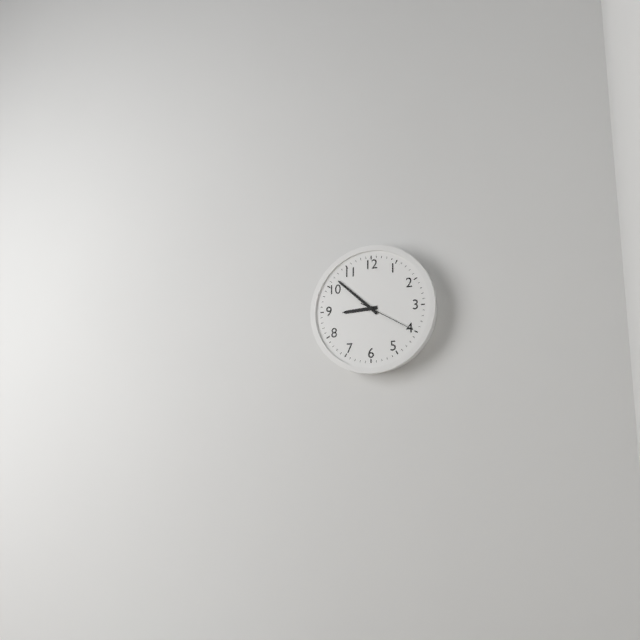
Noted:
8,52,20
